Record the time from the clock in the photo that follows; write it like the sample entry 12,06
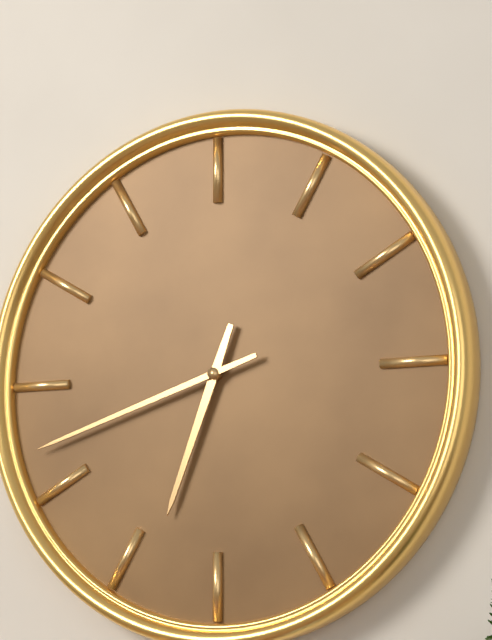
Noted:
6,42
